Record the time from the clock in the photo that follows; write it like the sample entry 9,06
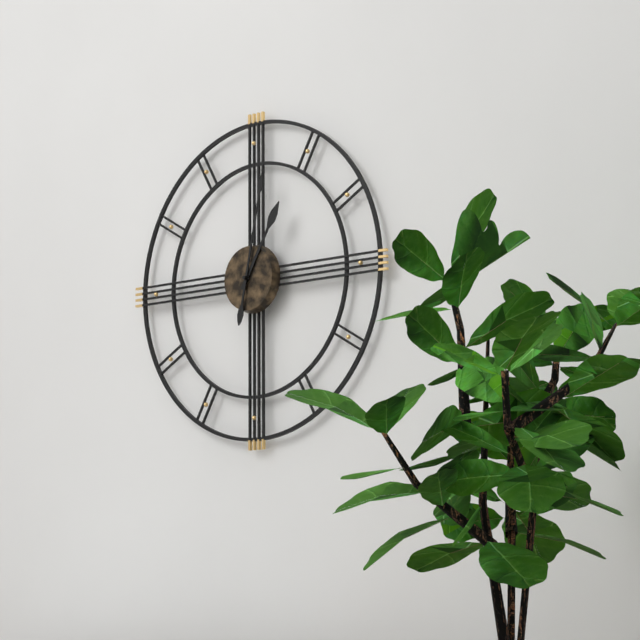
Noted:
1,02
